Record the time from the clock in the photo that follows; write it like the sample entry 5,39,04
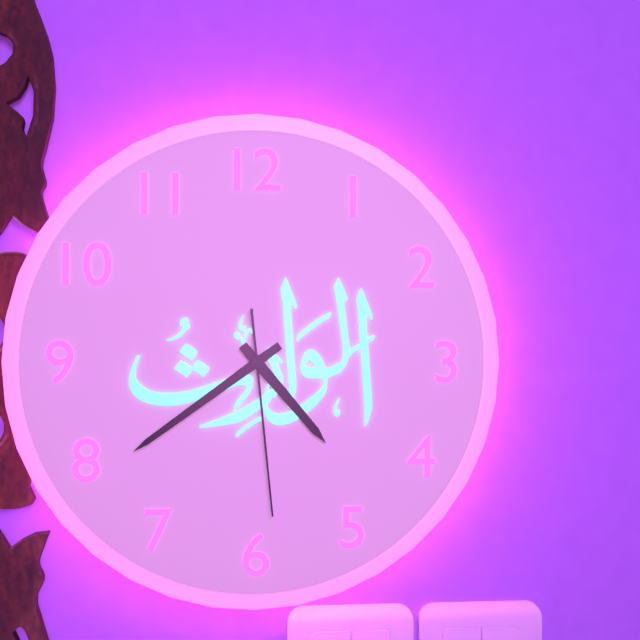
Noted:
4,39,29
